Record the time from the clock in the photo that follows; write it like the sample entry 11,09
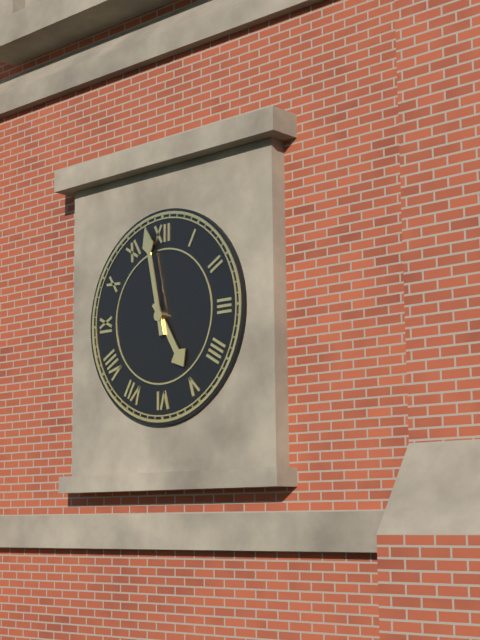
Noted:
4,58
